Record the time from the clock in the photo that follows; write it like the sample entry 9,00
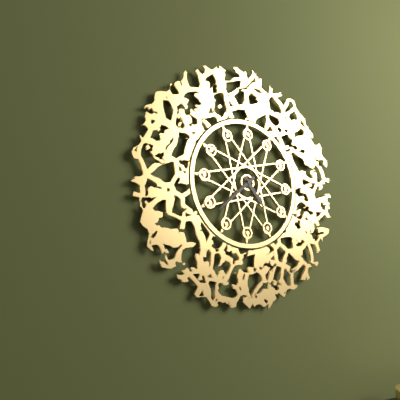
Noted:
4,38
